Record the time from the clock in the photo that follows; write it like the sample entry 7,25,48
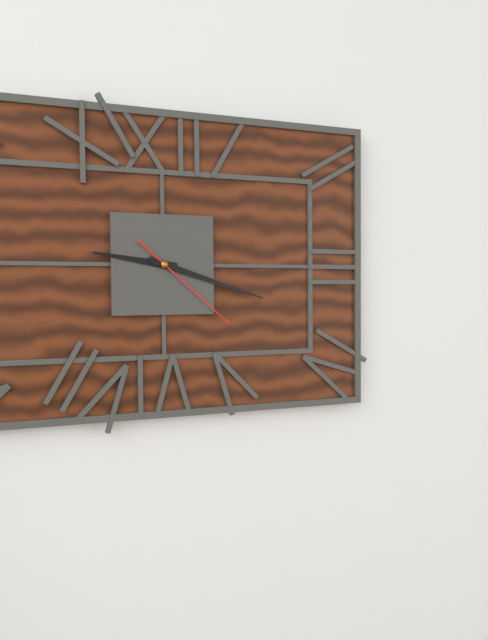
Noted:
9,18,22
